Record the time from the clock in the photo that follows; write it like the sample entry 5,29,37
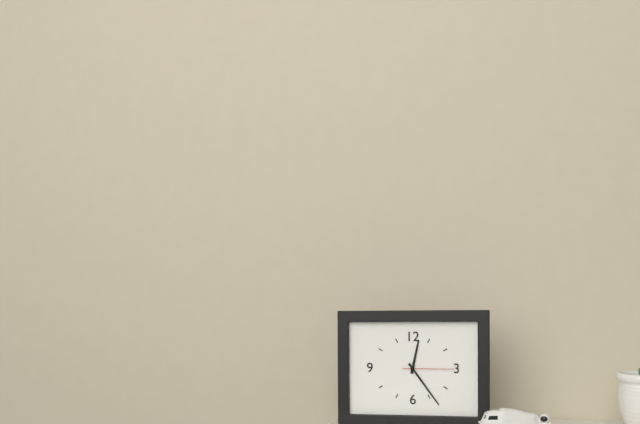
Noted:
12,24,15
